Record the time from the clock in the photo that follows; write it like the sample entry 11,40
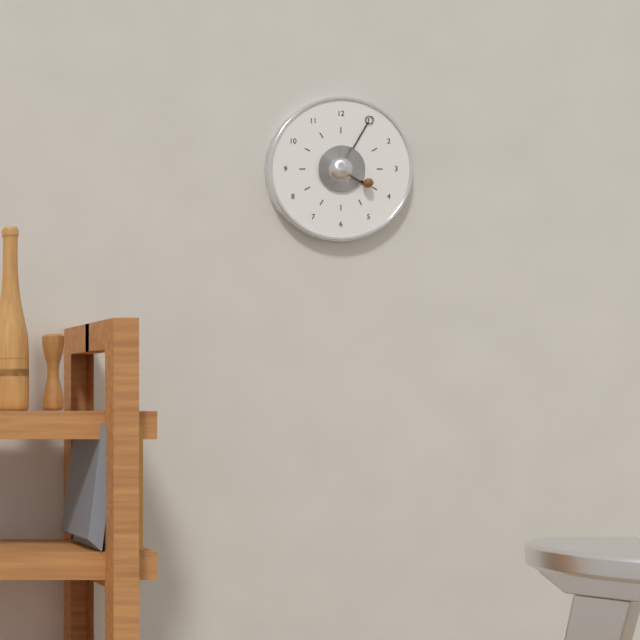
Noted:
4,05
